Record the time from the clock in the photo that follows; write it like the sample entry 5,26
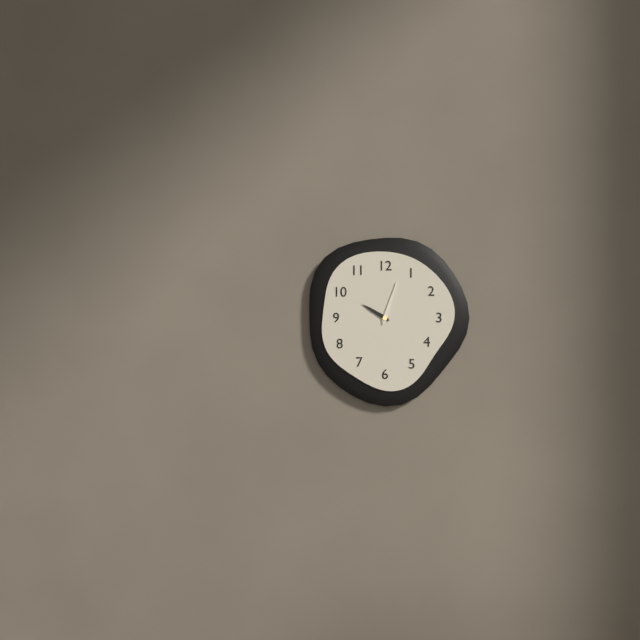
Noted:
10,03
